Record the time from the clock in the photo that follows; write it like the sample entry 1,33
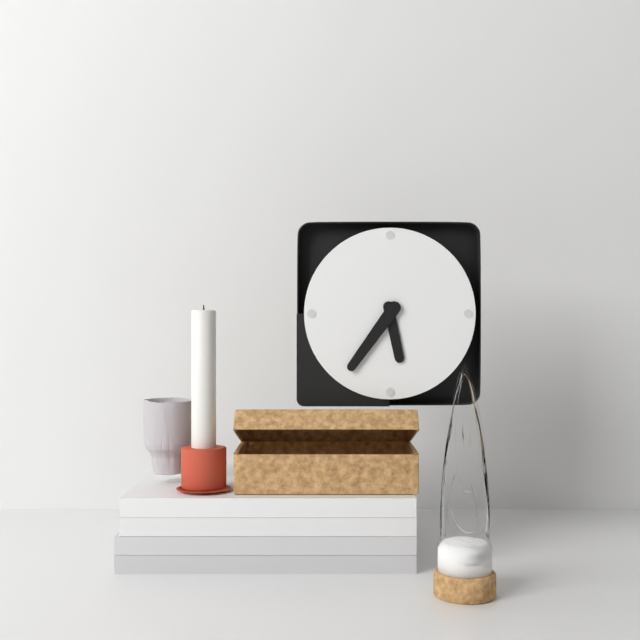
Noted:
5,36
